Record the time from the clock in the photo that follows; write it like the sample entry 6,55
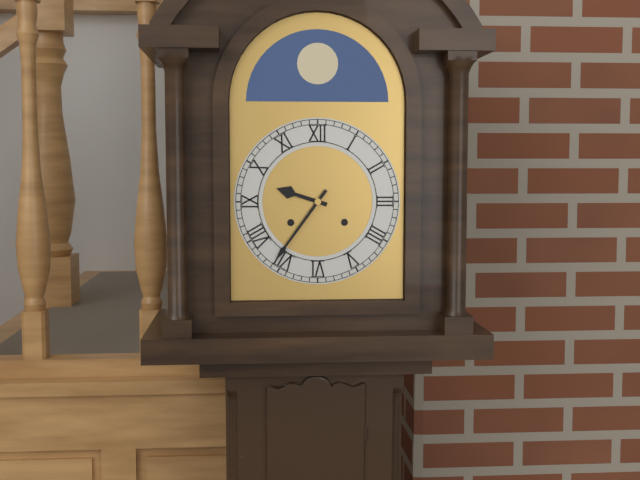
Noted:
9,36
